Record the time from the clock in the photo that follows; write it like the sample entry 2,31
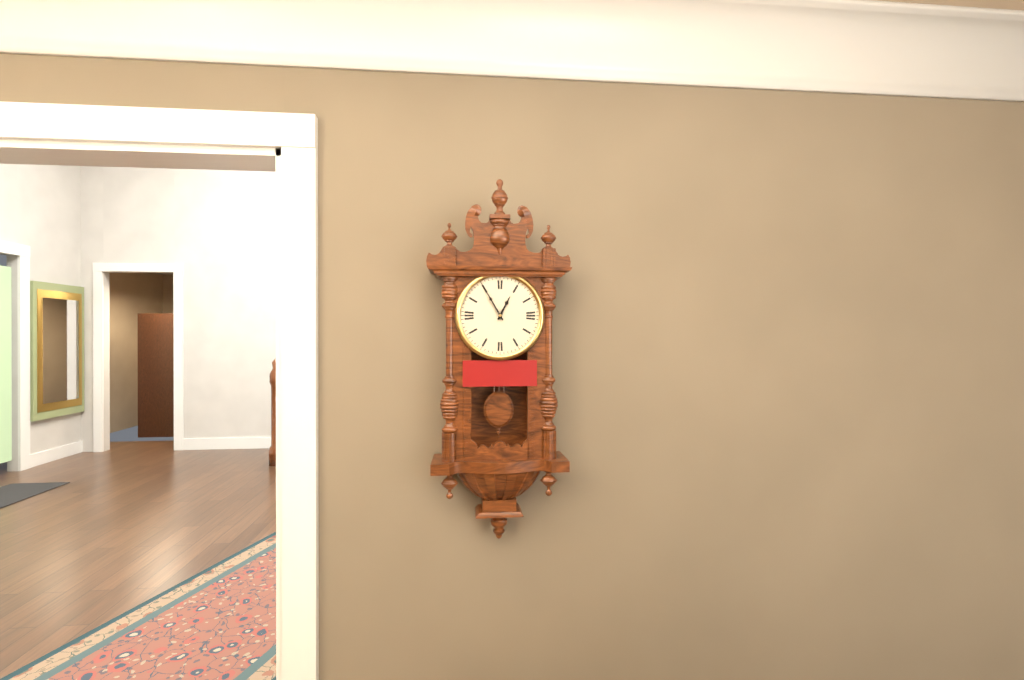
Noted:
12,55
